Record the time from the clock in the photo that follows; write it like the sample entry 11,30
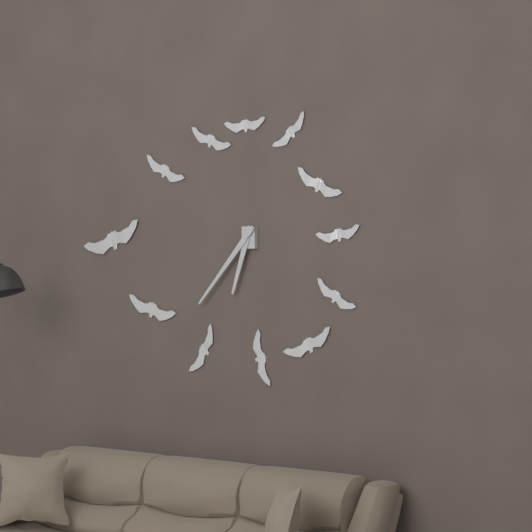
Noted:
6,37
